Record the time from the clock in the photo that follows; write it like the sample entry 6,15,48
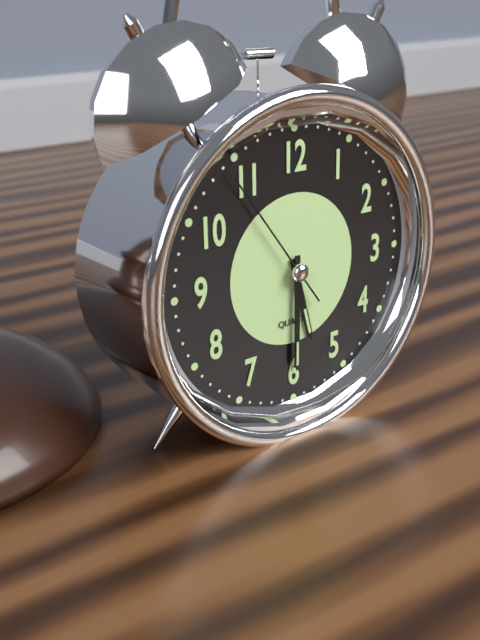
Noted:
5,30,54
